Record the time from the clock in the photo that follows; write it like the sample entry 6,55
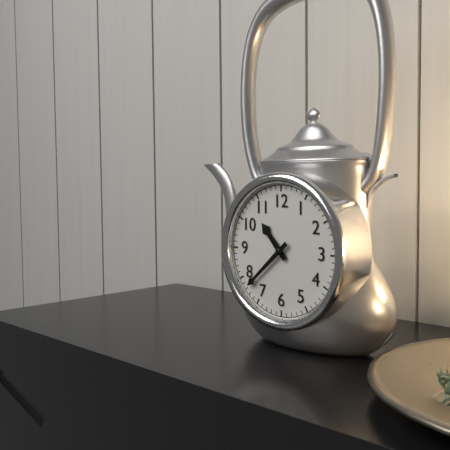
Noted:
10,38
